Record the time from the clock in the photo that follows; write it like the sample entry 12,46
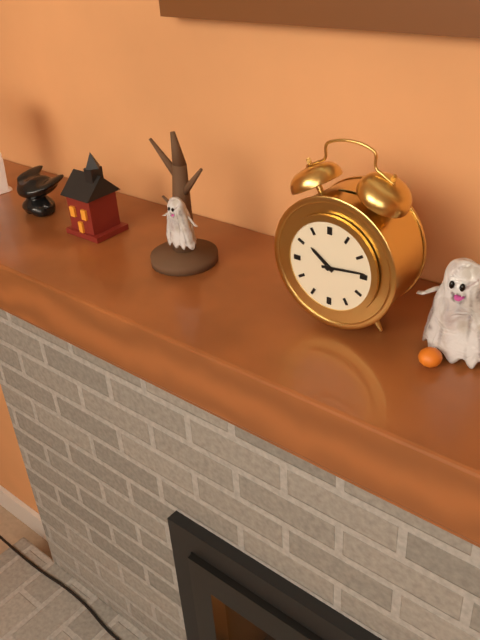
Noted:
10,14
